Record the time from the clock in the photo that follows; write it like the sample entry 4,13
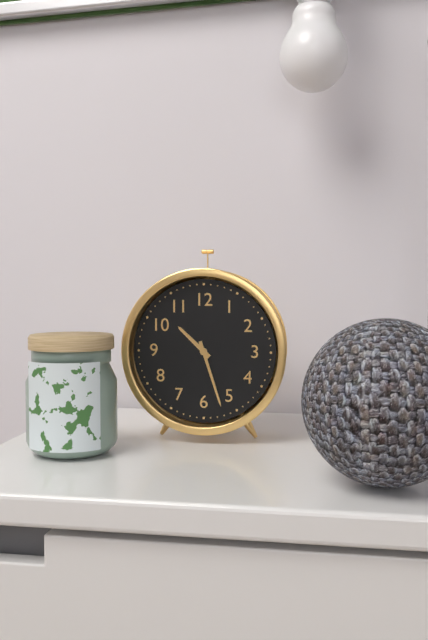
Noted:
10,27
